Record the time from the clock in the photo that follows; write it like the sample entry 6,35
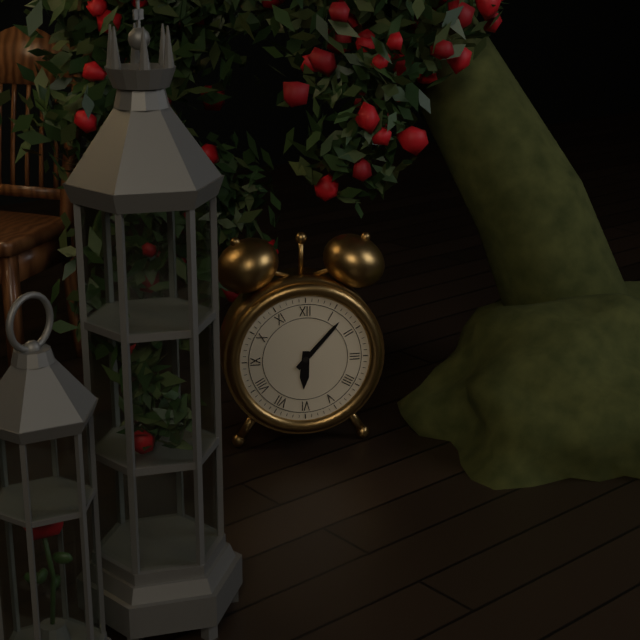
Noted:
6,07
